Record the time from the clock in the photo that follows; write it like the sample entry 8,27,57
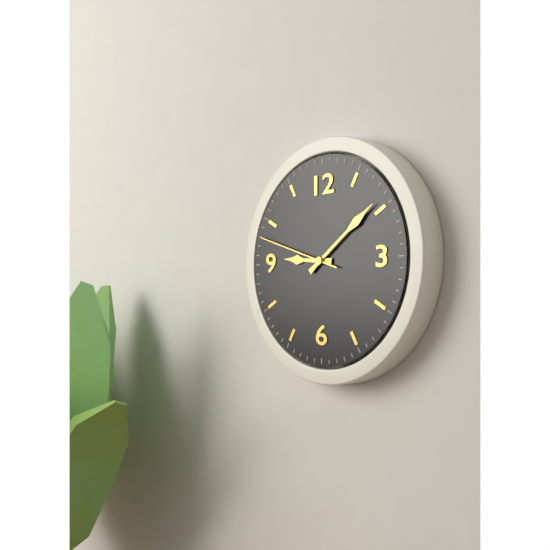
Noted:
9,09,48
